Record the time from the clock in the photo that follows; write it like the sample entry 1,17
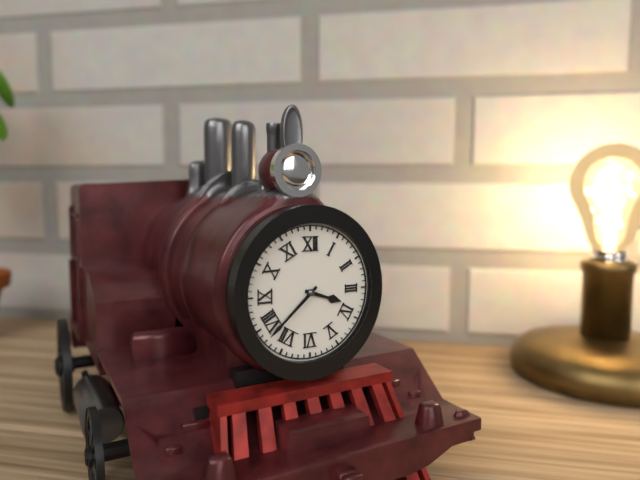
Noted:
3,38
